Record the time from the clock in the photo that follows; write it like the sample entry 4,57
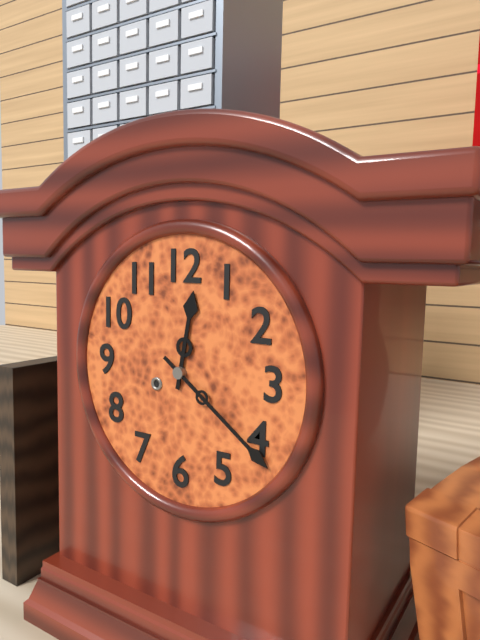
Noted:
12,21
